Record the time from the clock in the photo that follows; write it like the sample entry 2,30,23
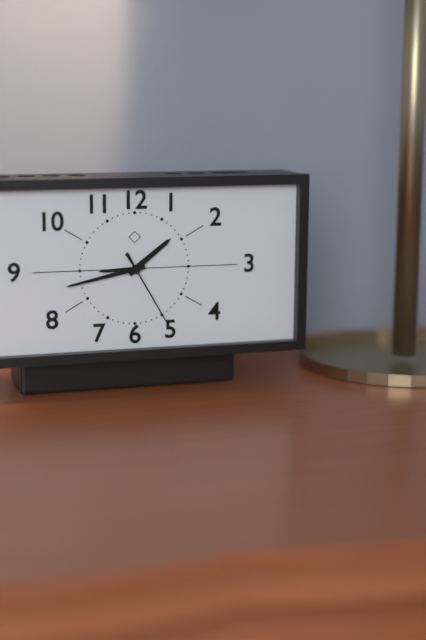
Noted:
1,43,25
